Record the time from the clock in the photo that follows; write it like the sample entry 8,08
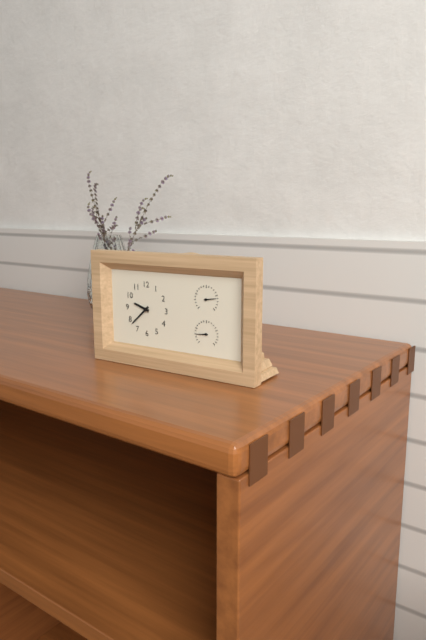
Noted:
9,38
